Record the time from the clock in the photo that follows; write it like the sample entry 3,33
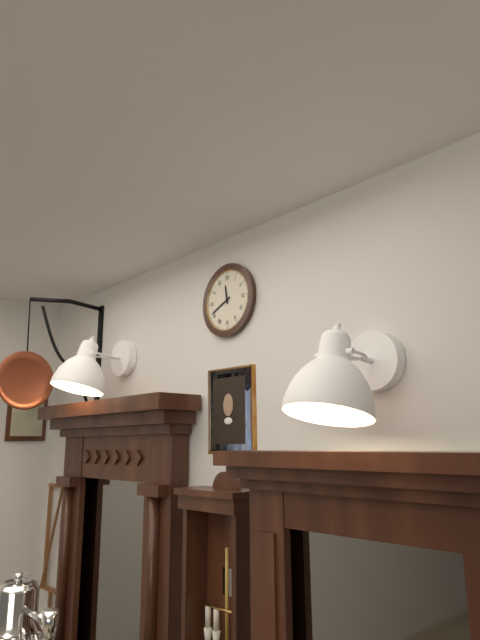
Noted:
11,41
